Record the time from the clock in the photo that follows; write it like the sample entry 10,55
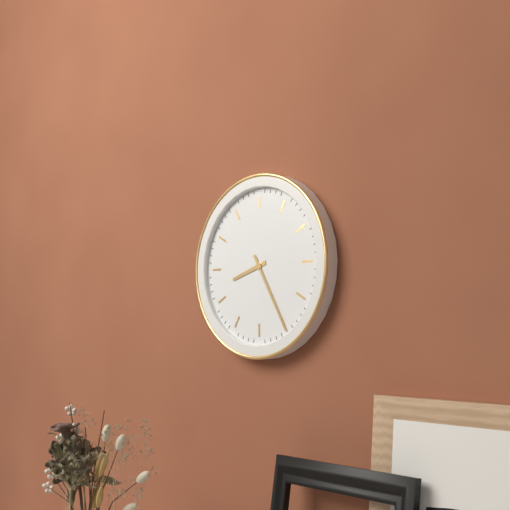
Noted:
8,25
